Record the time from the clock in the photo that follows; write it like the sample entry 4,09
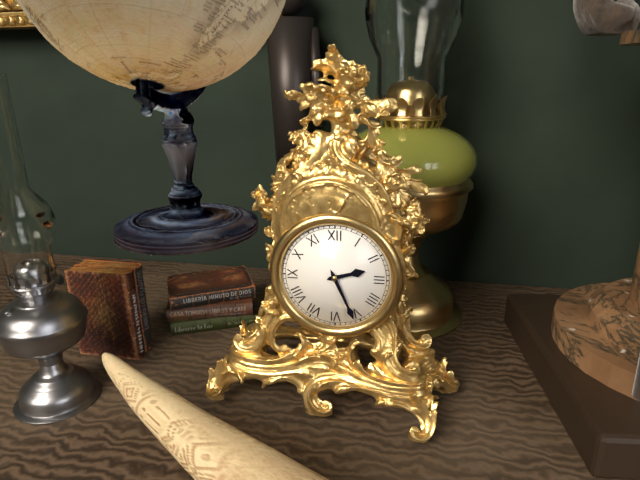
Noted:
2,26
